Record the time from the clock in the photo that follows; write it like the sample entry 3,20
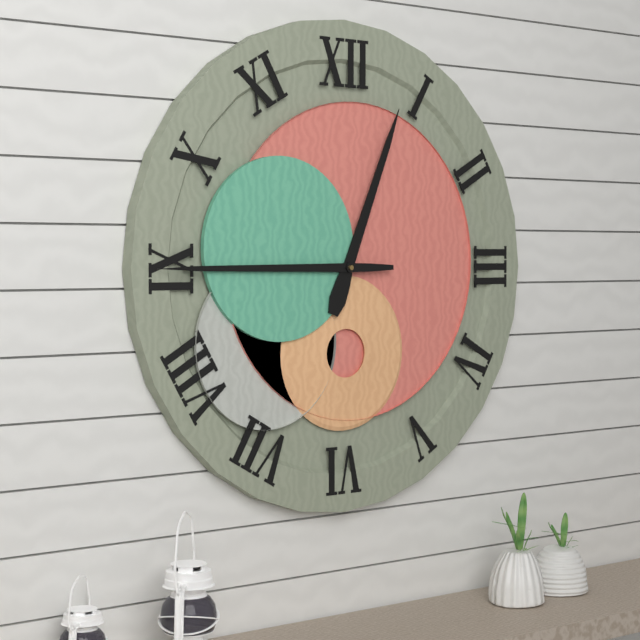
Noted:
12,45
